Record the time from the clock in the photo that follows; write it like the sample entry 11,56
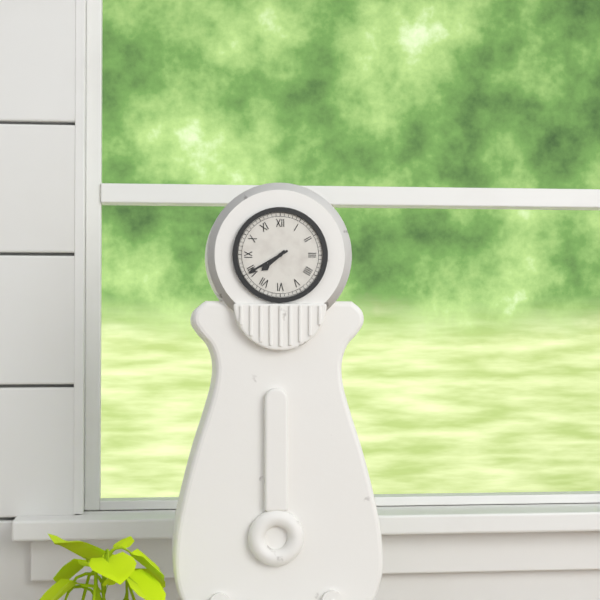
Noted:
7,40
